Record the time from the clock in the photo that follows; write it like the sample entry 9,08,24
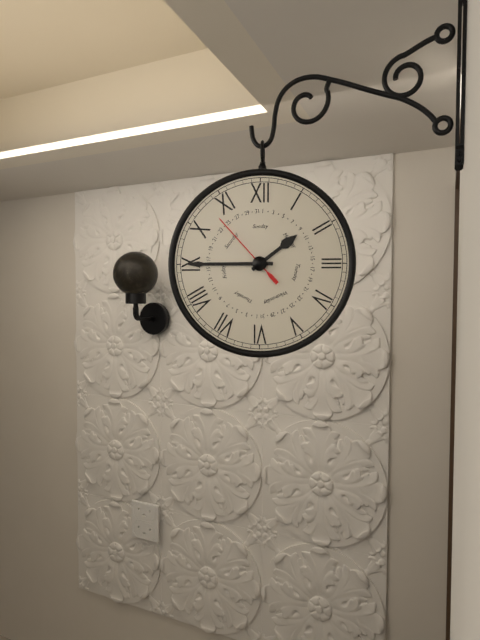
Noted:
1,45,53
